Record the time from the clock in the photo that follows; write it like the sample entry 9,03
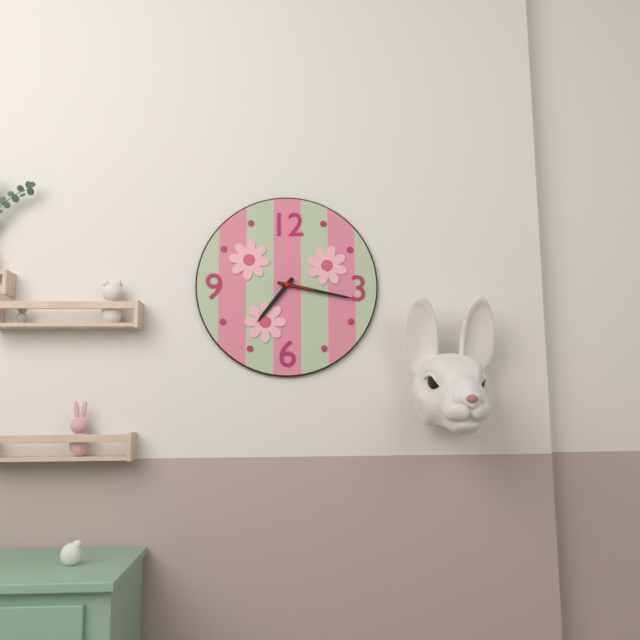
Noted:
7,17
